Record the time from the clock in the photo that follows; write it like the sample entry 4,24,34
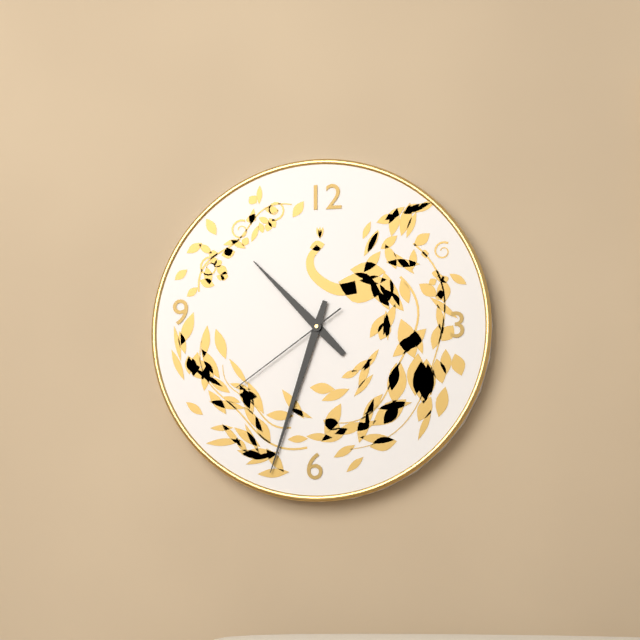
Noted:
10,33,39
